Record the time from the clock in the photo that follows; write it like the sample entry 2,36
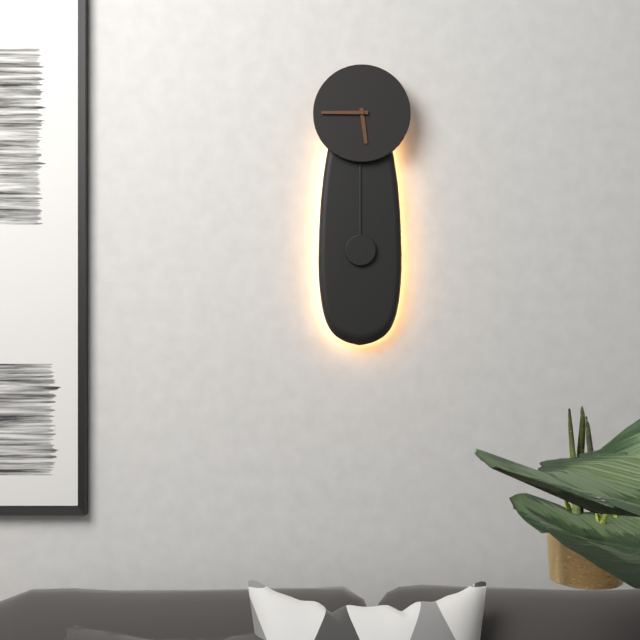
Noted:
5,45
